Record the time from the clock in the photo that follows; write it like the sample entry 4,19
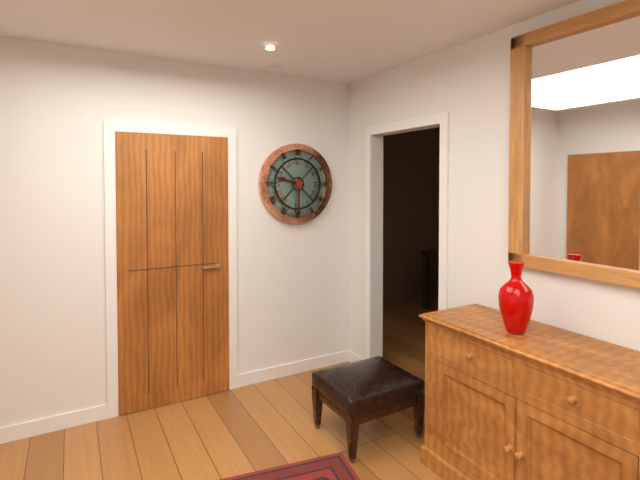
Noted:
9,30
